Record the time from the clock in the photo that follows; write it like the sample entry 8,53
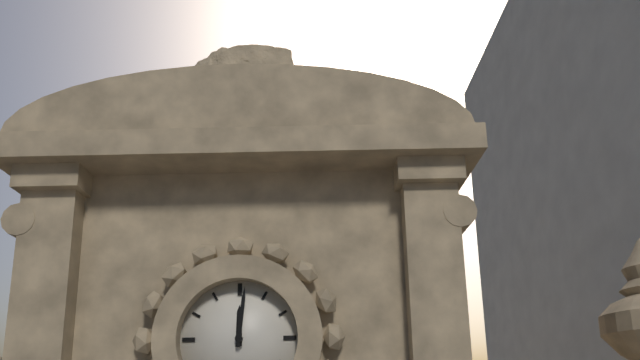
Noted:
12,01
